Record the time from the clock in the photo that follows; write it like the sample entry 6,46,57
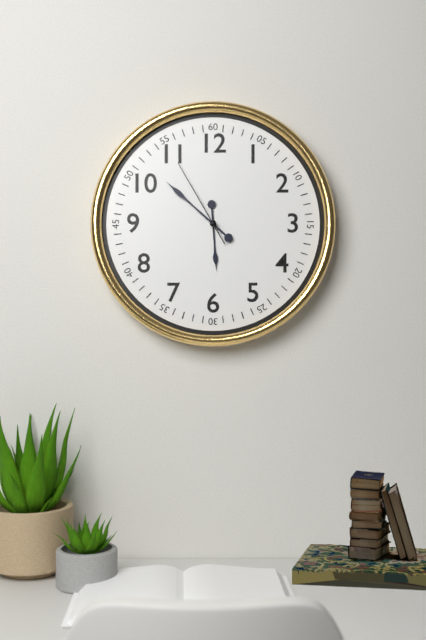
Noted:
5,52,55
